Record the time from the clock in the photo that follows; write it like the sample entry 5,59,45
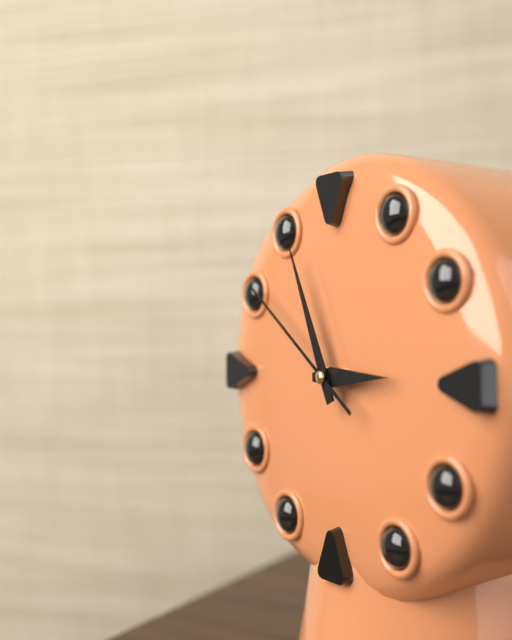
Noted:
2,56,51
